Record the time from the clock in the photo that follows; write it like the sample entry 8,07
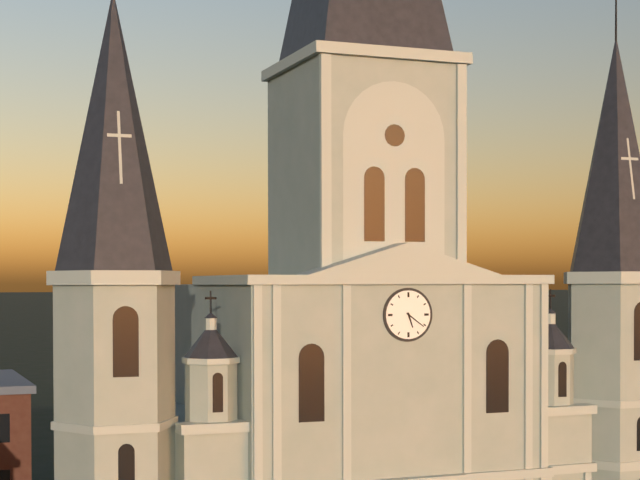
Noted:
5,21
